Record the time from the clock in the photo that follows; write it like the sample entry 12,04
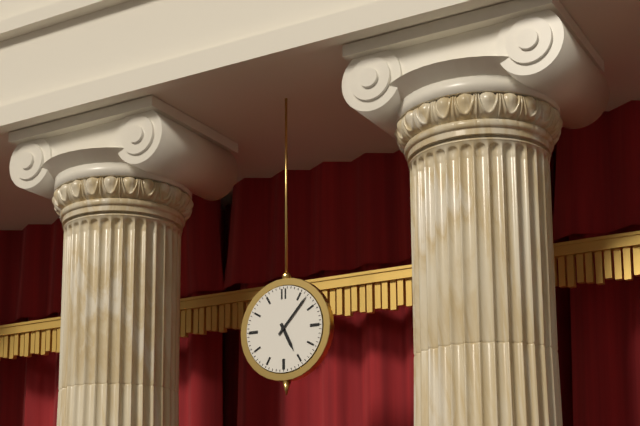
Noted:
5,07
